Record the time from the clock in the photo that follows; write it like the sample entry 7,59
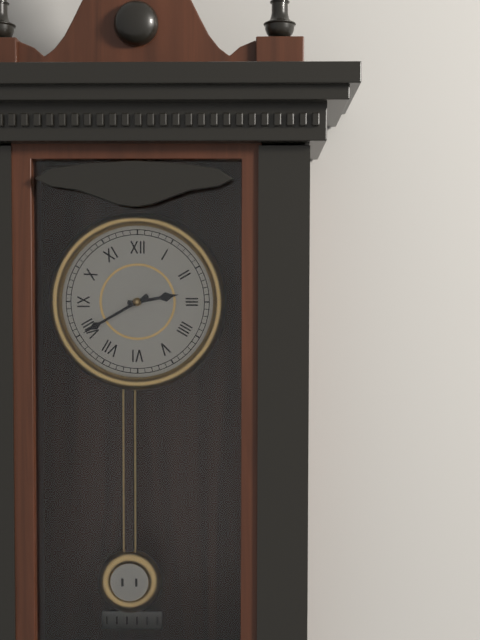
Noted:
2,40
